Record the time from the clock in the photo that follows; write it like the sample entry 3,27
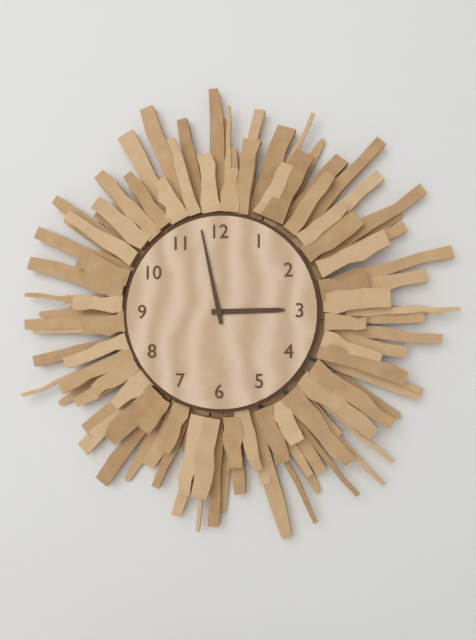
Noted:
2,58
